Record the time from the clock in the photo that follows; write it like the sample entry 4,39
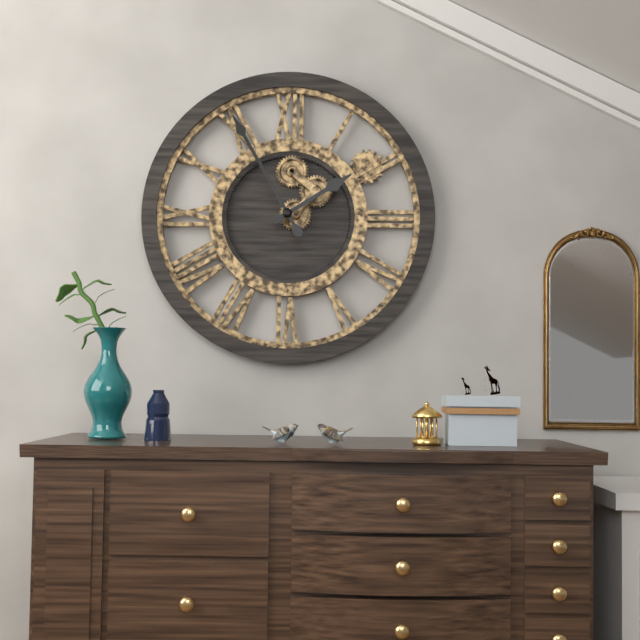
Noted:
1,55
